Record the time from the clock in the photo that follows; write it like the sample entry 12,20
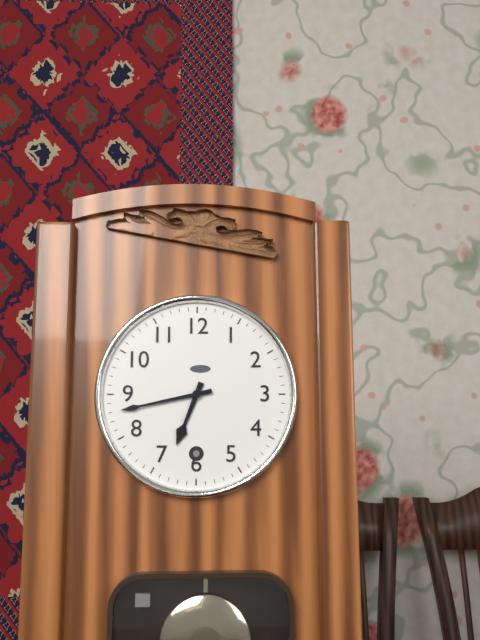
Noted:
6,43
